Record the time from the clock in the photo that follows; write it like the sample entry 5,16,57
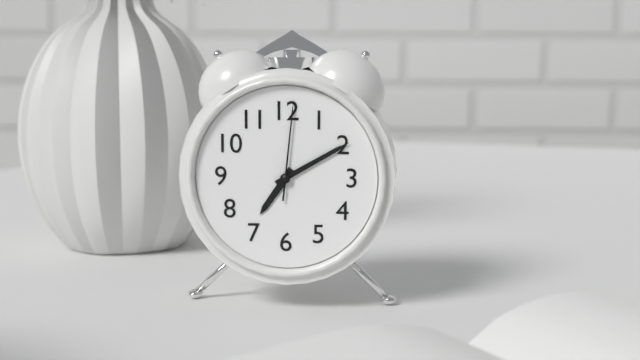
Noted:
7,10,01
